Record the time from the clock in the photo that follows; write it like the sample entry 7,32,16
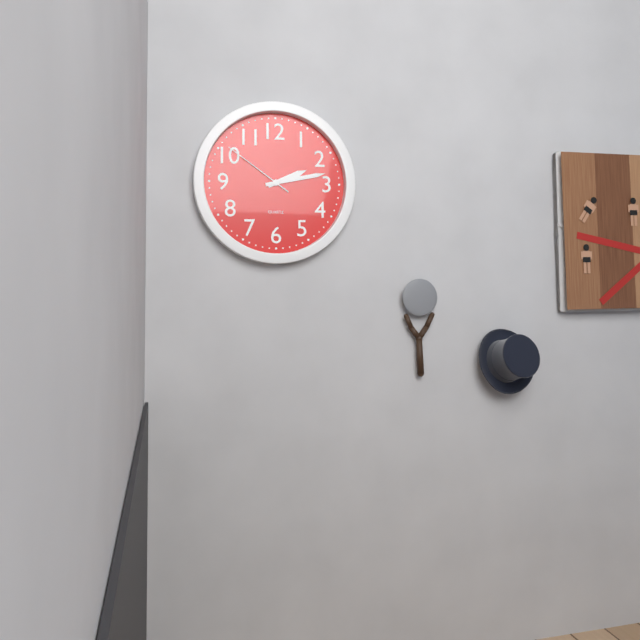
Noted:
2,13,51
